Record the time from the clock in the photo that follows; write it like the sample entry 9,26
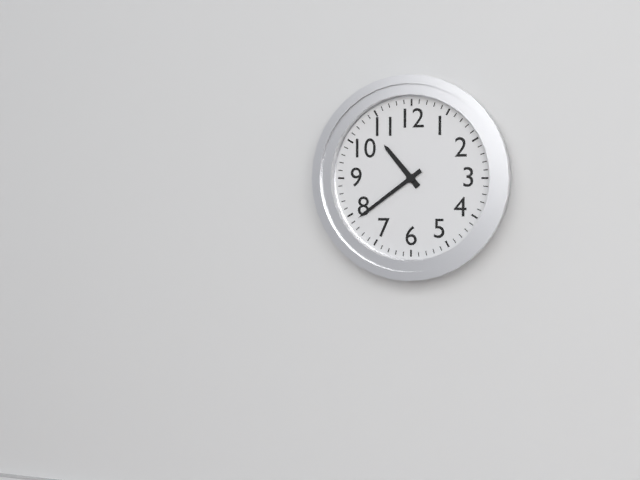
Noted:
10,39
